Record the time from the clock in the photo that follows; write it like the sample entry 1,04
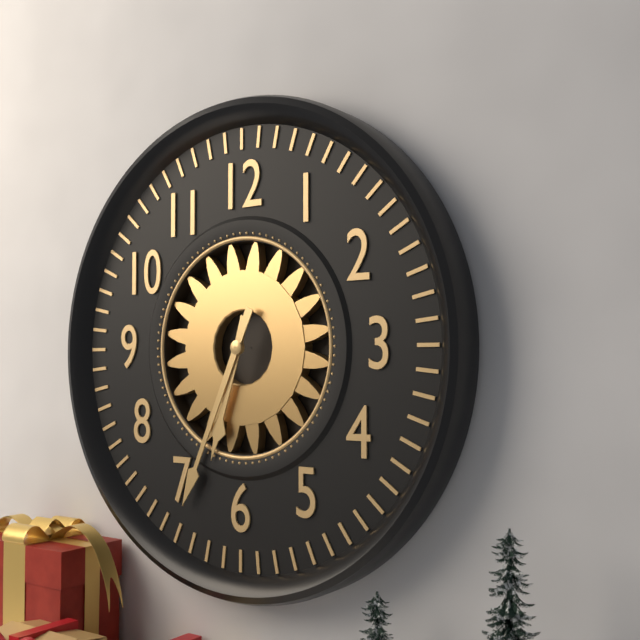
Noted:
6,34
